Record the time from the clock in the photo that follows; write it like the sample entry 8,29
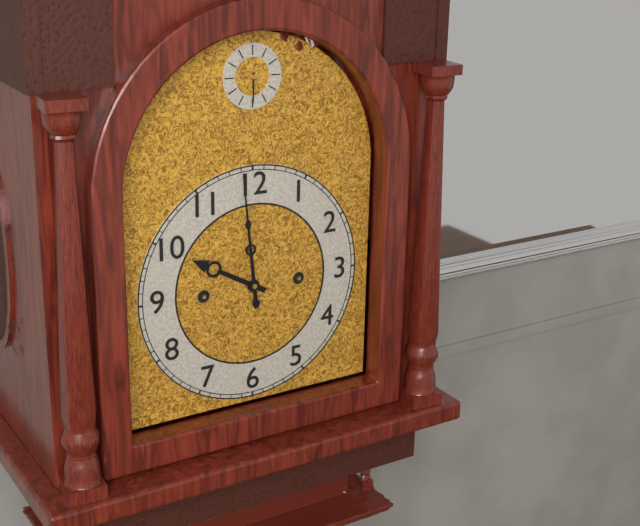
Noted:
9,59
